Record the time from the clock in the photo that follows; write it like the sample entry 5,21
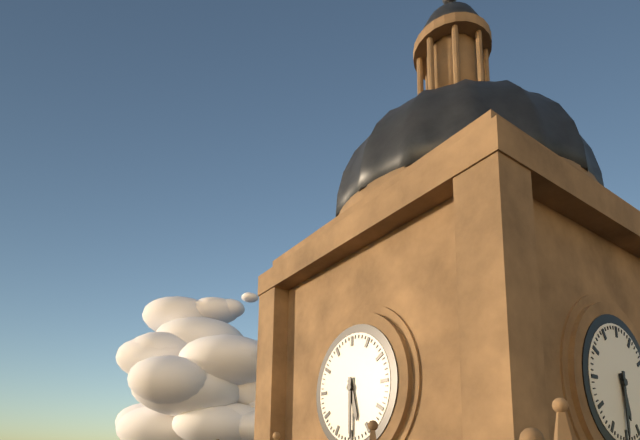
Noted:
5,30
